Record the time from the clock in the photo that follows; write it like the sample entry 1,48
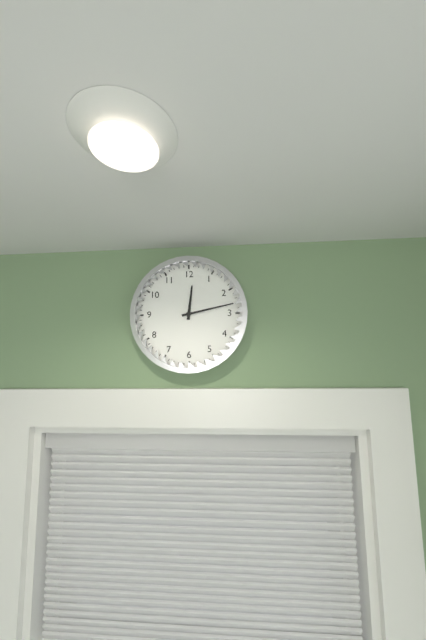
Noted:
12,13
